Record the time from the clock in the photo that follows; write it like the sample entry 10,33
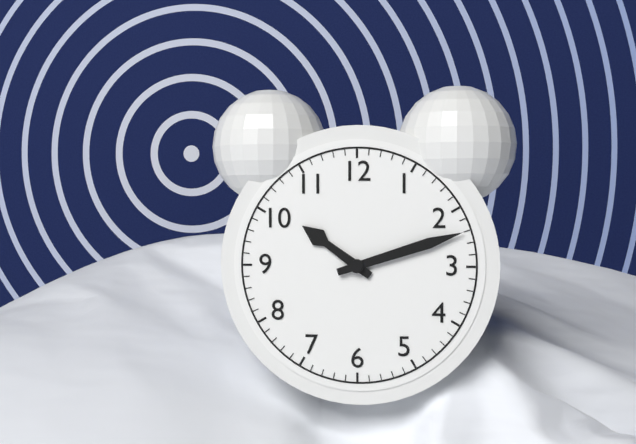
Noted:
10,12
